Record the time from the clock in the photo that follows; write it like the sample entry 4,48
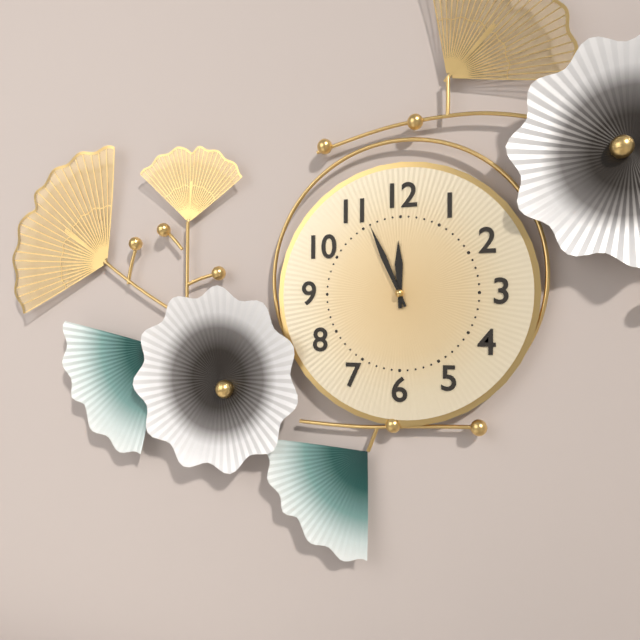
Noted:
11,56
